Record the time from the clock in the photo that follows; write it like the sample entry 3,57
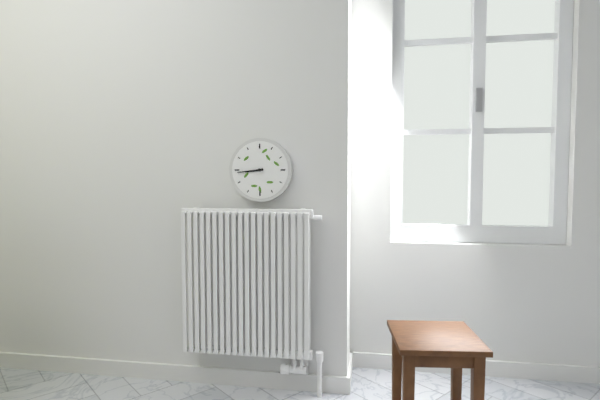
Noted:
8,44
